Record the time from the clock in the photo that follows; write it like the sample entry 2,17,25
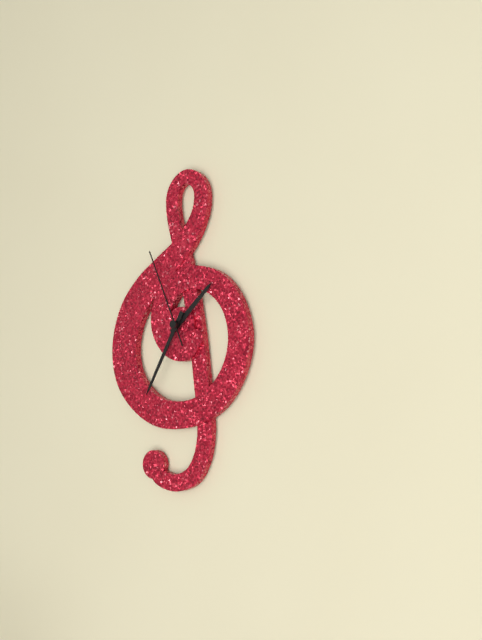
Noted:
1,35,56
